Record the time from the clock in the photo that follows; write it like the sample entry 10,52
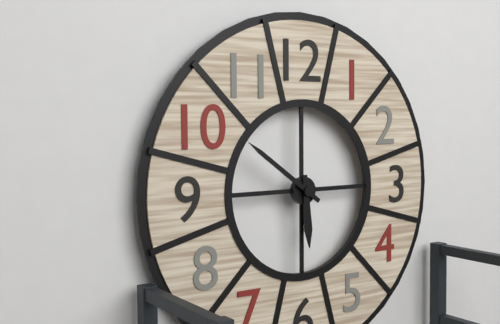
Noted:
5,51
